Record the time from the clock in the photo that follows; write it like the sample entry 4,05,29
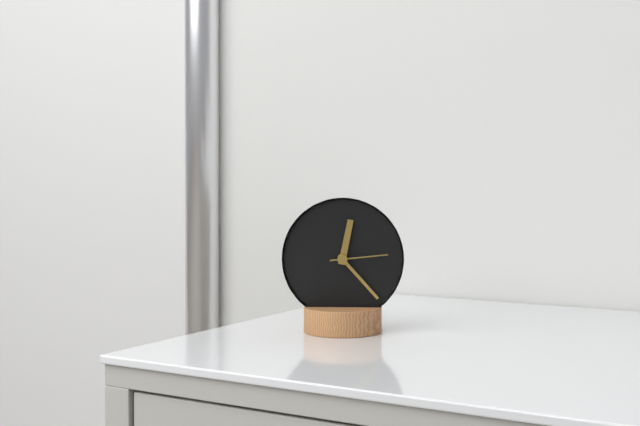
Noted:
12,23,14
